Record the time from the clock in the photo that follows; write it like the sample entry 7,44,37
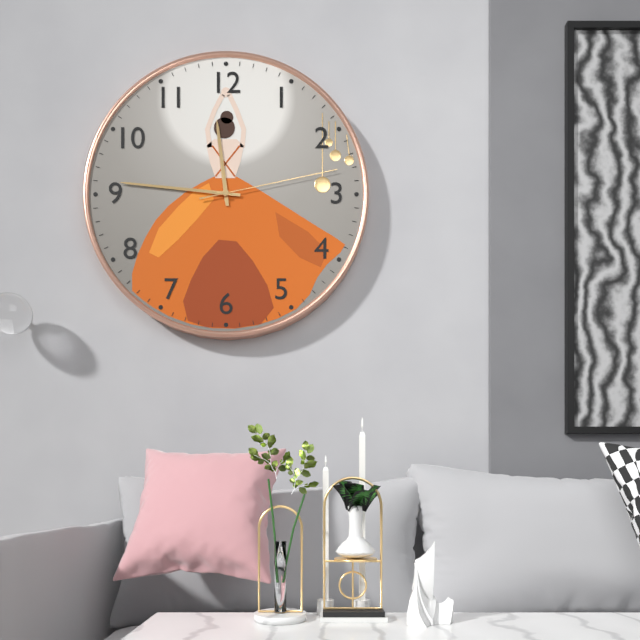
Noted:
11,46,13
